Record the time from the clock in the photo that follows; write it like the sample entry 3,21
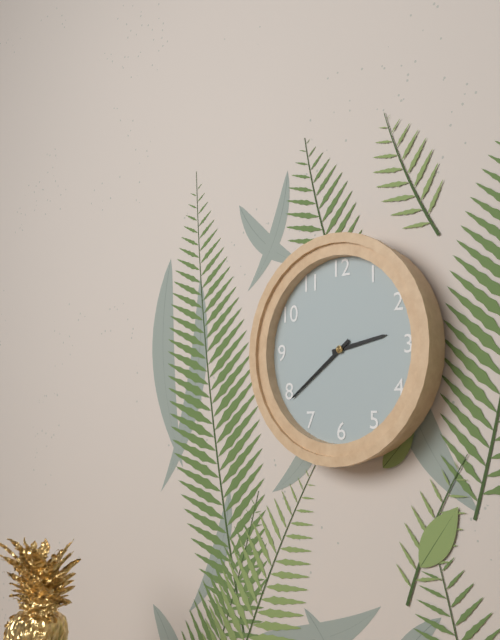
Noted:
2,39
